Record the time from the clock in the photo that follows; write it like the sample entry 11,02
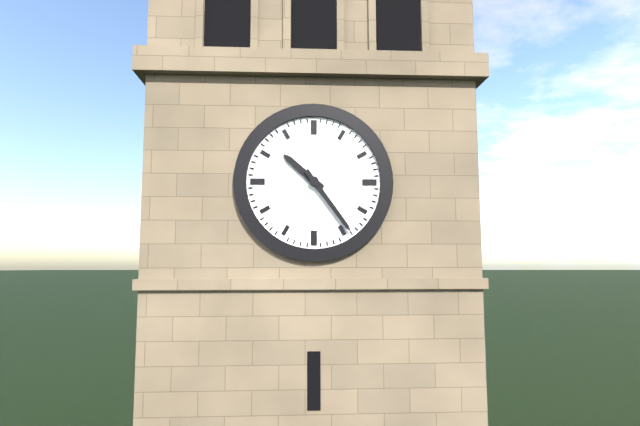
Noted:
10,24
